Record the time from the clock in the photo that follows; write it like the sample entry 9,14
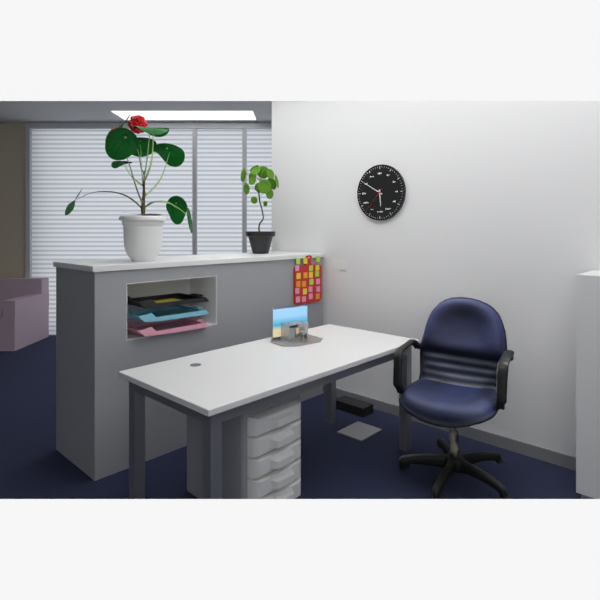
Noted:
5,50
